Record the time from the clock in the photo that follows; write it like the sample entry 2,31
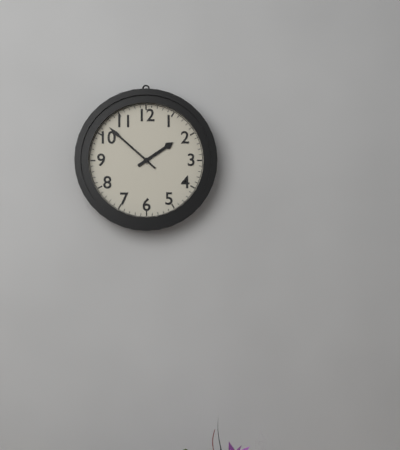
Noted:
1,52
